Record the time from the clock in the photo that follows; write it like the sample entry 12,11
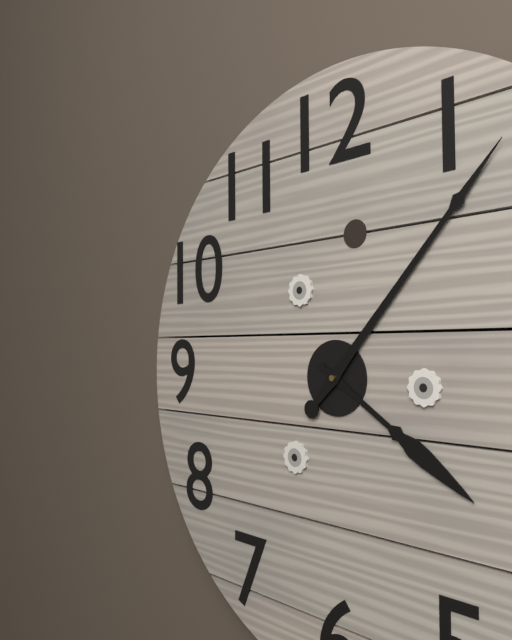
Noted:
4,07
